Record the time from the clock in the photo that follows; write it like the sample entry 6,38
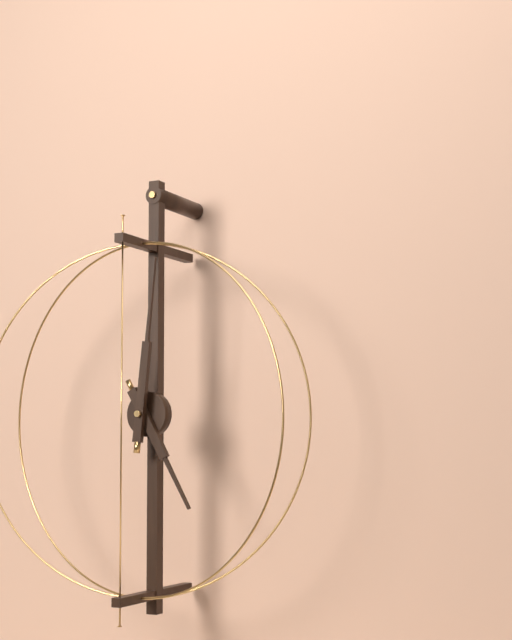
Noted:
5,01
